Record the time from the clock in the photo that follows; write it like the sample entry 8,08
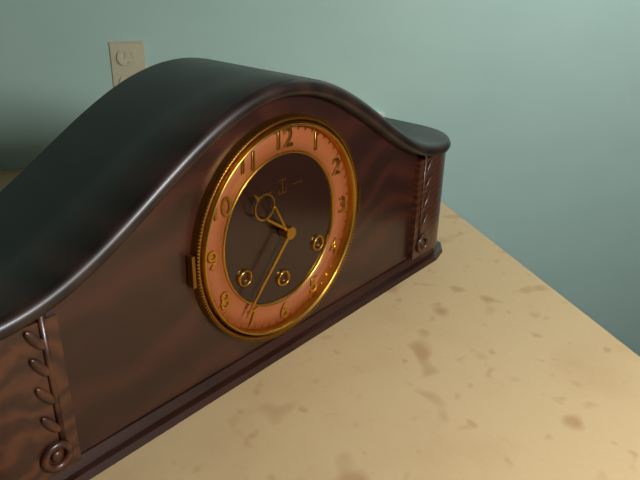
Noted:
10,37
